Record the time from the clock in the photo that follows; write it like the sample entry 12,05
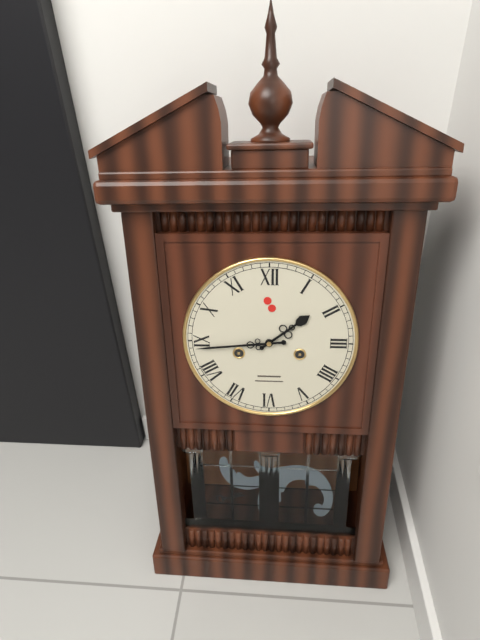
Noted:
1,44
